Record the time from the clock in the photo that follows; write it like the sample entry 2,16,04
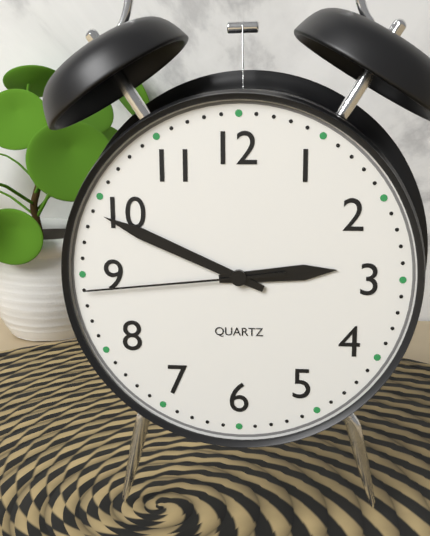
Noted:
2,49,44
